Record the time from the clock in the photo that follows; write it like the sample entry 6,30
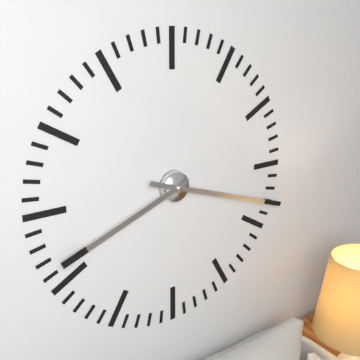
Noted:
8,18
